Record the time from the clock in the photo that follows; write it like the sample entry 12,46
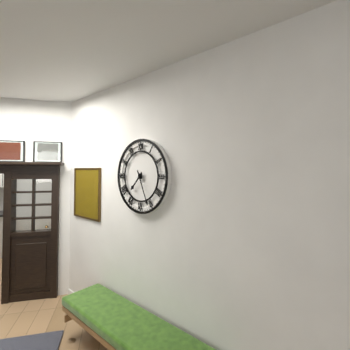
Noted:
7,26
